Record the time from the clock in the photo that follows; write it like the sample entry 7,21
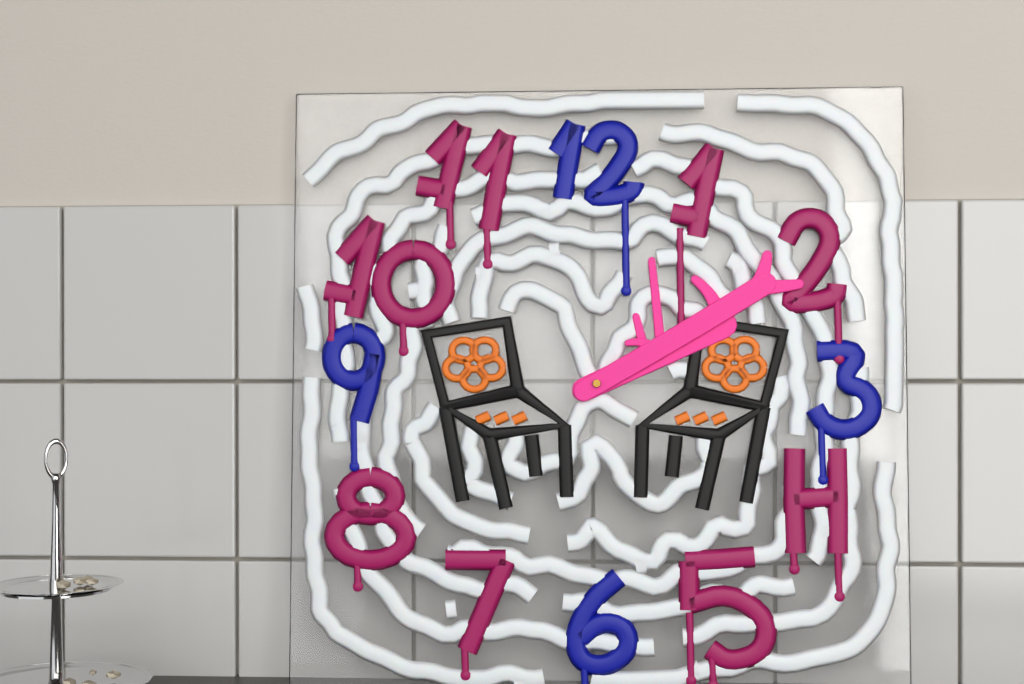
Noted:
2,10
